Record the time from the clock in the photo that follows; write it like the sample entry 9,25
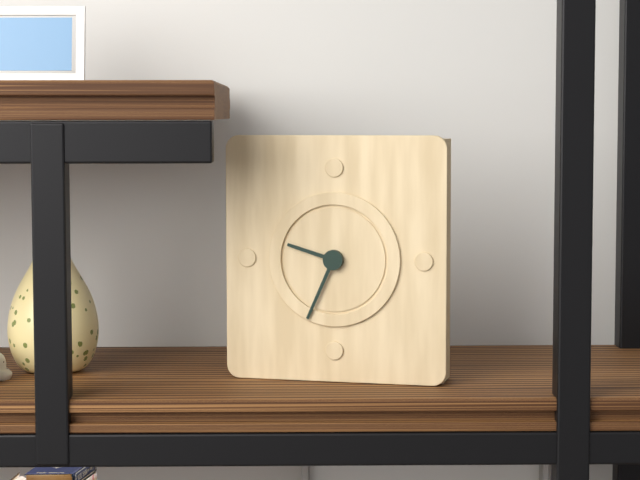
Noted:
9,34
